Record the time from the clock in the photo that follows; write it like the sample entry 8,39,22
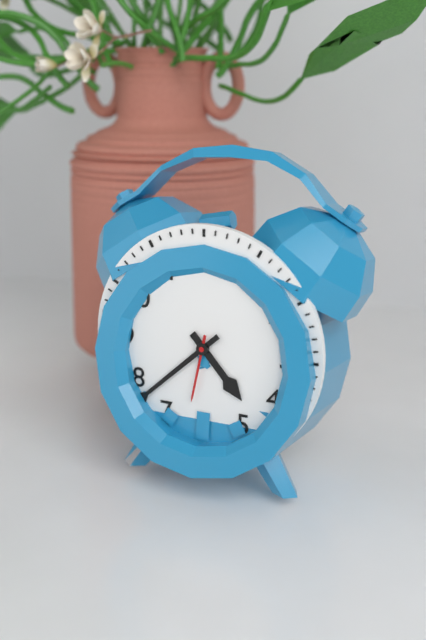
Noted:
4,38,32
